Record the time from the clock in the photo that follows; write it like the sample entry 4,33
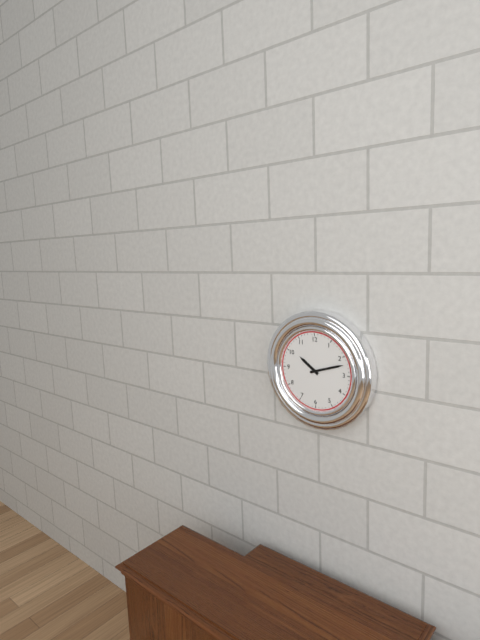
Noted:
10,12
